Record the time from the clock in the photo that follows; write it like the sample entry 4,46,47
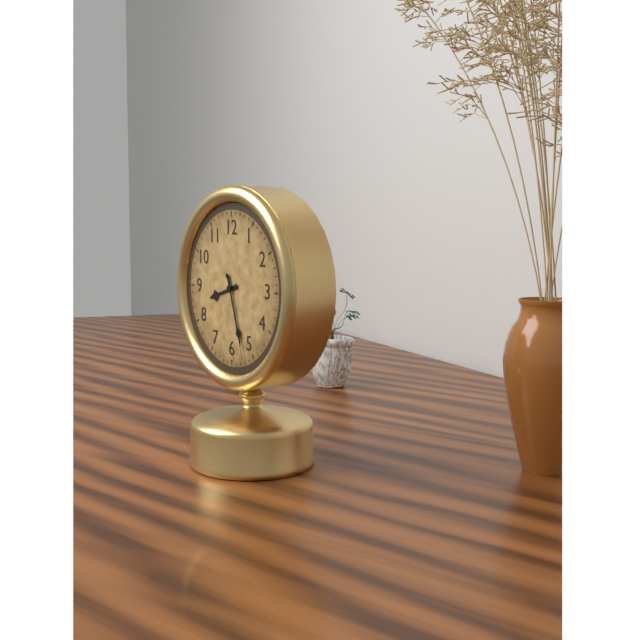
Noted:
8,27,27
